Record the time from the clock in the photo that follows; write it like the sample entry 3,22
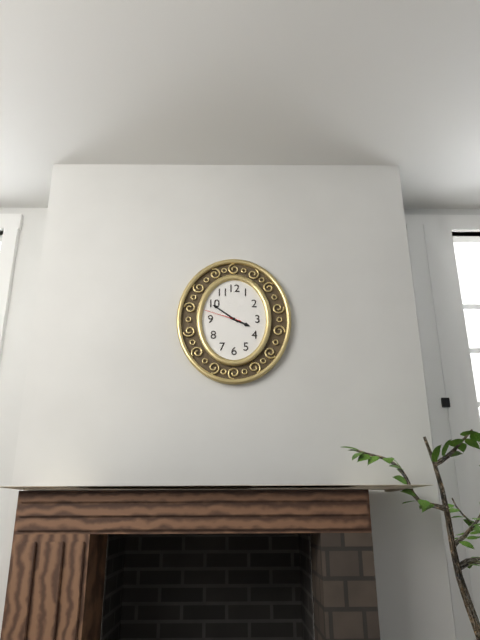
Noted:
3,51
